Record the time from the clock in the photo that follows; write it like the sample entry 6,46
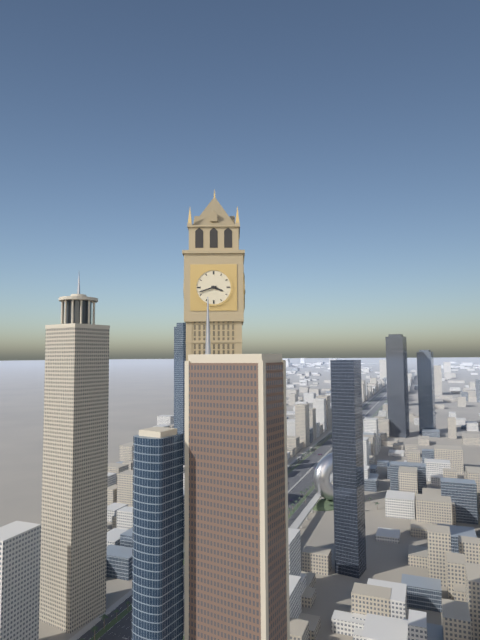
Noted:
3,42
